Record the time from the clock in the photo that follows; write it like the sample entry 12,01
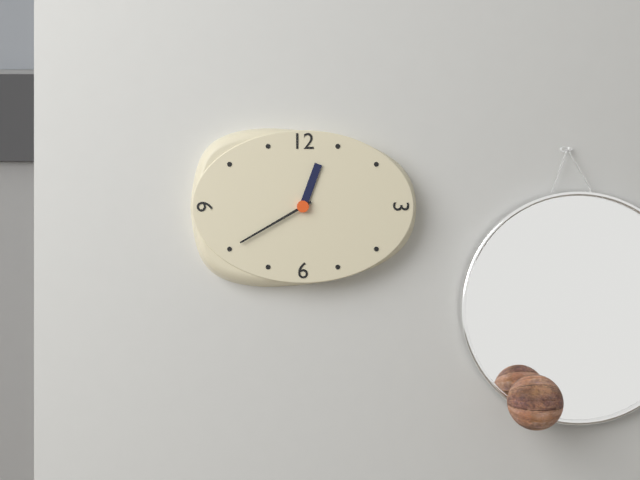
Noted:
12,40
